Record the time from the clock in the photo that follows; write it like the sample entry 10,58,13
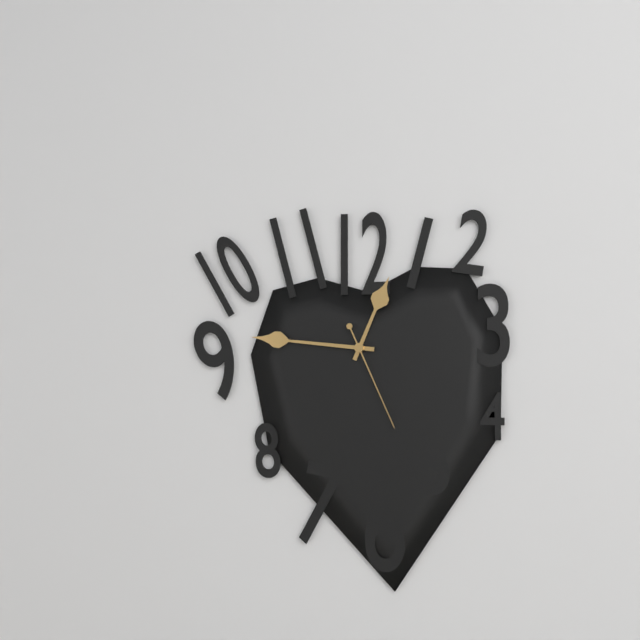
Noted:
12,46,26
